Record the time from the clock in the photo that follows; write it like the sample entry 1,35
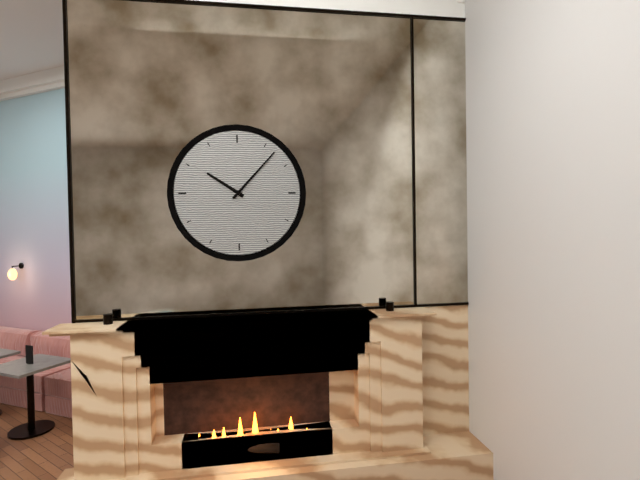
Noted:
10,07
